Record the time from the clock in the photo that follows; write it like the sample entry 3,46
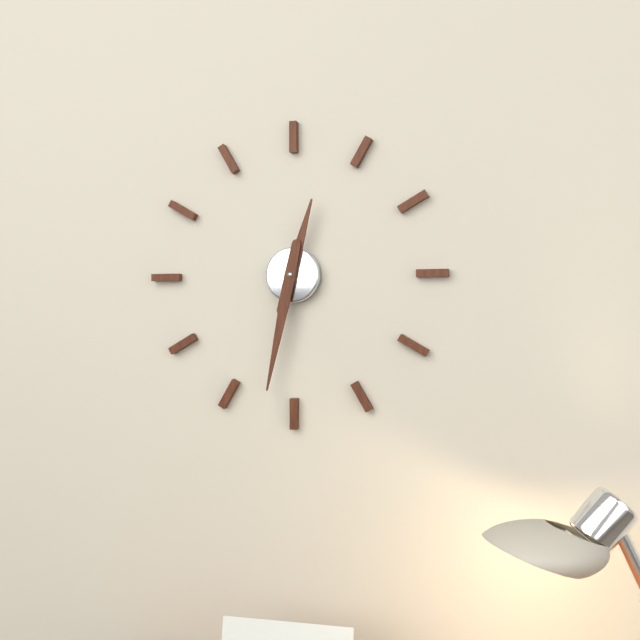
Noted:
12,32
